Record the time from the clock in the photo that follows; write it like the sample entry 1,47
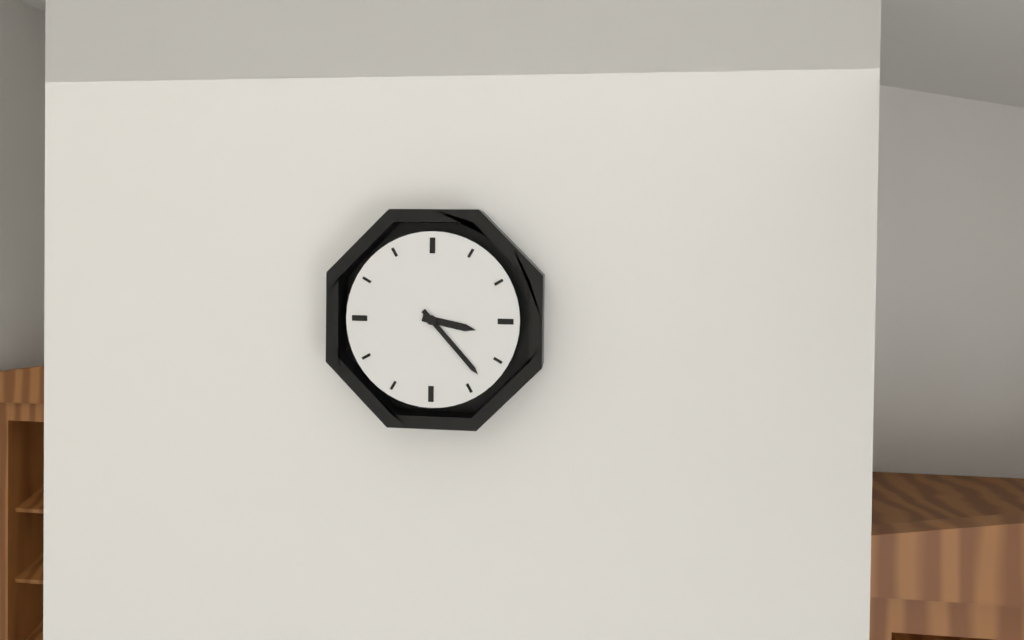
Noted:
3,23
